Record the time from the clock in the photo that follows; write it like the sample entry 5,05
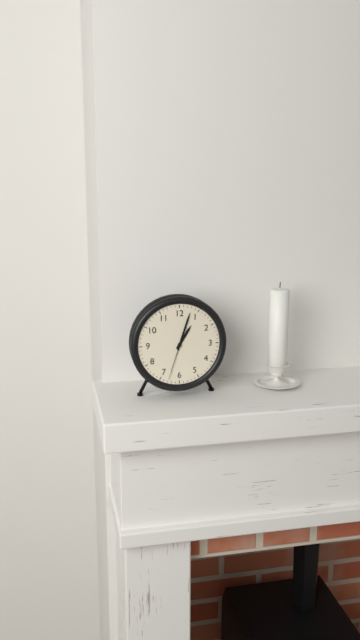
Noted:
1,03
